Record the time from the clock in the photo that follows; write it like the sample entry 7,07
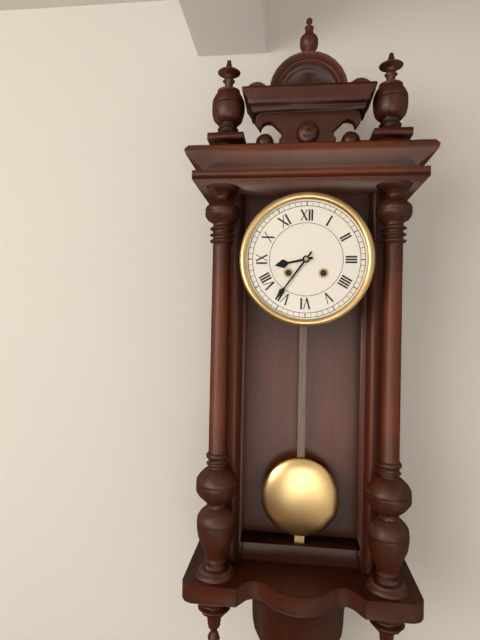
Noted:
8,36
